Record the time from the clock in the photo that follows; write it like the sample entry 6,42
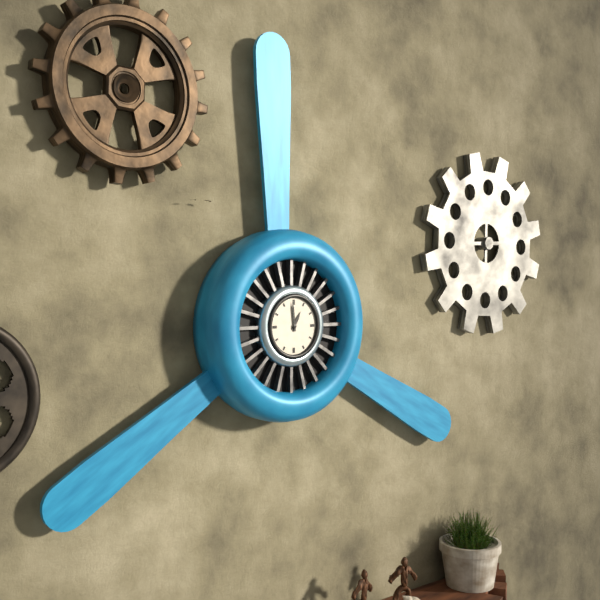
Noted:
12,59
